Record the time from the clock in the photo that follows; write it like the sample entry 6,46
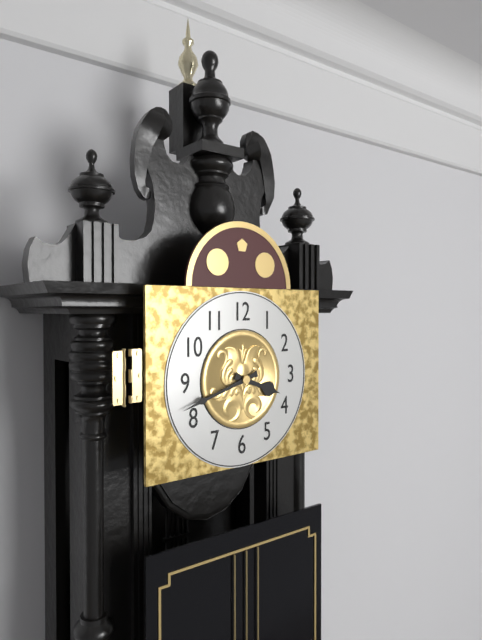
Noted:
3,42
